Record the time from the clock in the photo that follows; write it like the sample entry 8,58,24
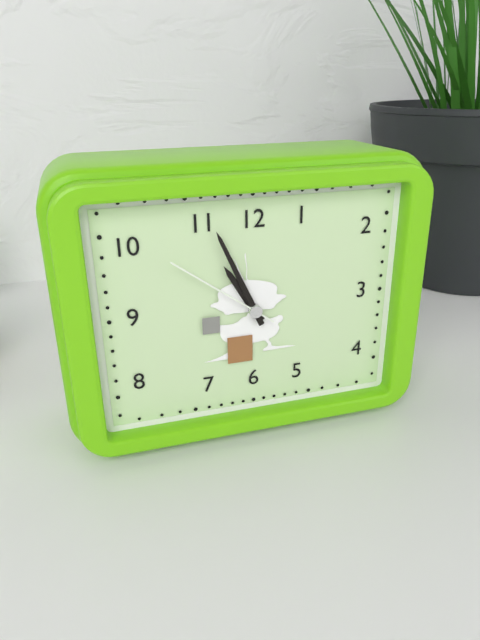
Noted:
10,56,51
